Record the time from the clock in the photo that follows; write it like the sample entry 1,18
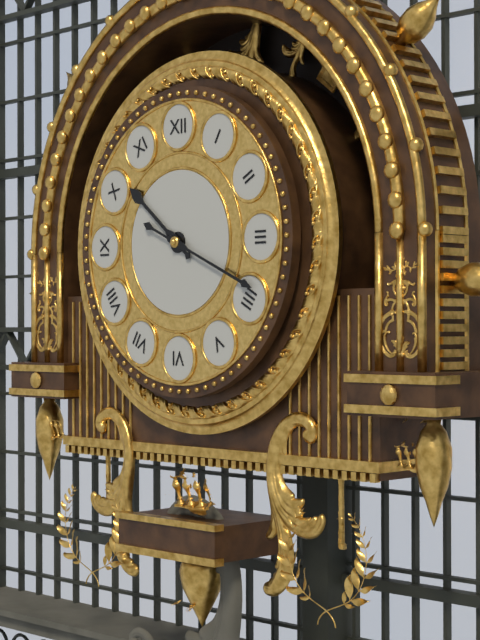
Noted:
10,19
